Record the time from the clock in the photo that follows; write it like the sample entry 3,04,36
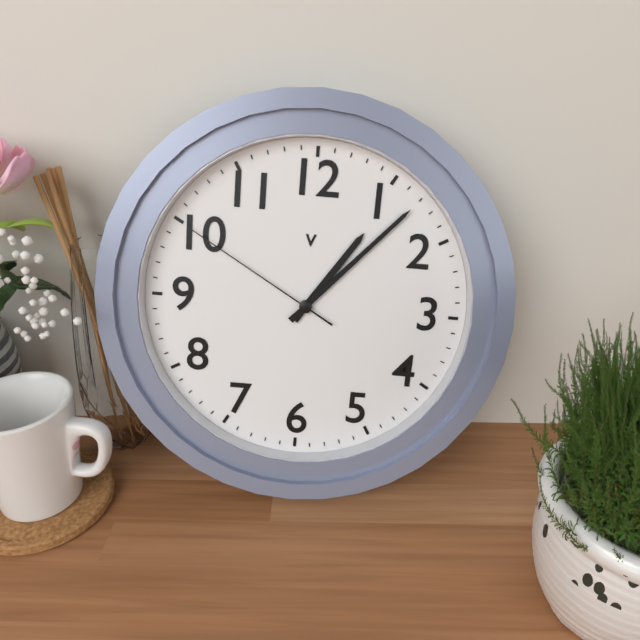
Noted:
1,07,50
